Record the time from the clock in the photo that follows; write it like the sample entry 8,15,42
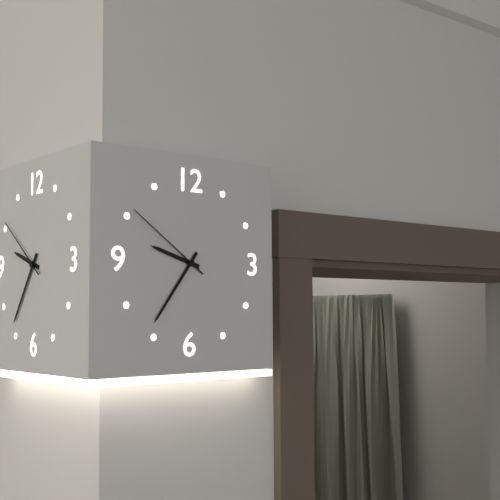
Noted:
9,36,51
